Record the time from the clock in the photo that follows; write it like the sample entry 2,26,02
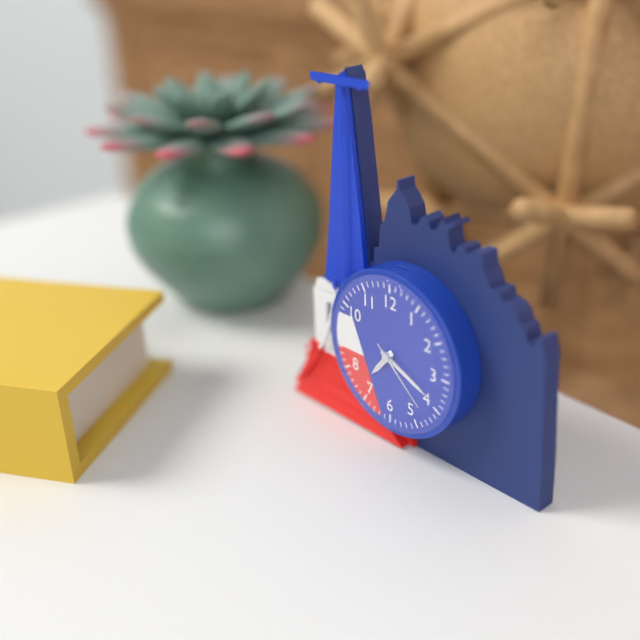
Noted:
7,19,22
